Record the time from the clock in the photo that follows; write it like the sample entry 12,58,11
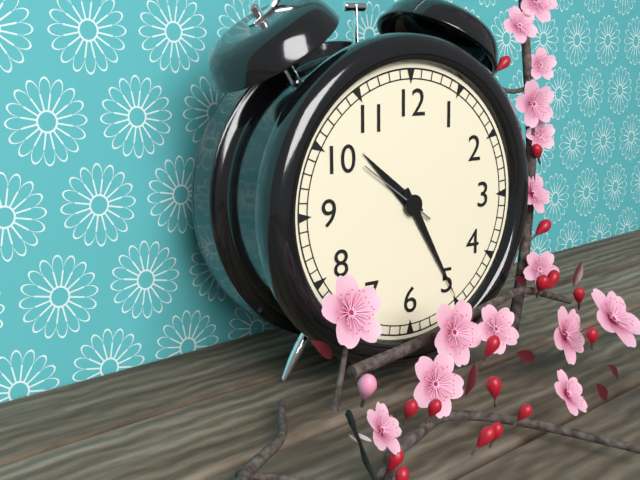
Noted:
10,25,51
